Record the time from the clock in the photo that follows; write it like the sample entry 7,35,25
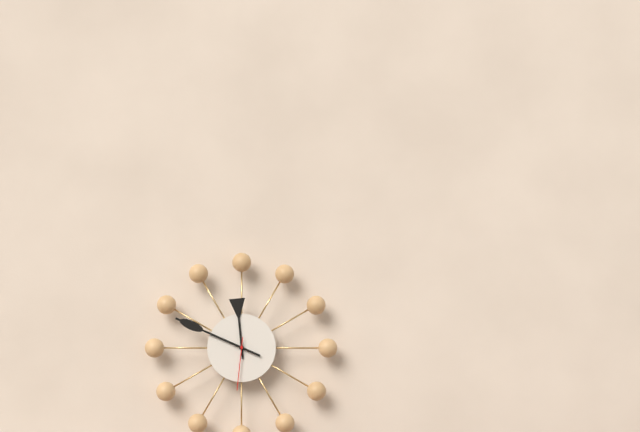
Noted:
11,49,31
